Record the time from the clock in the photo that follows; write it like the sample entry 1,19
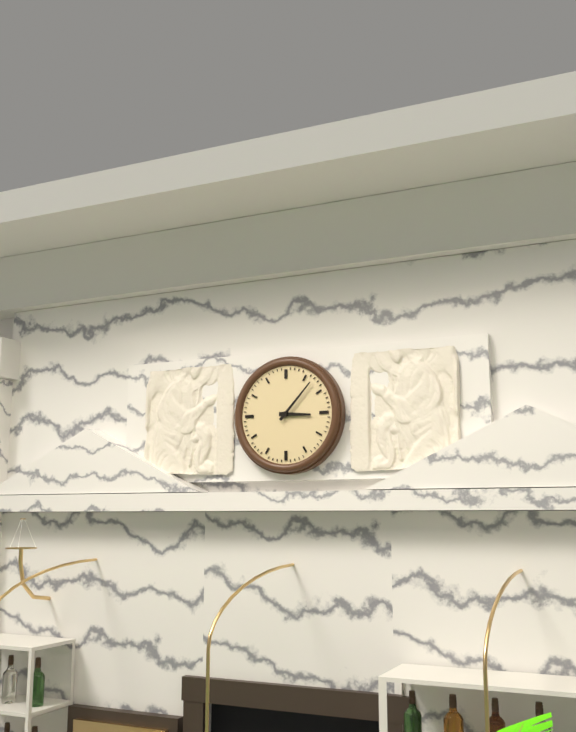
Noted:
3,07
